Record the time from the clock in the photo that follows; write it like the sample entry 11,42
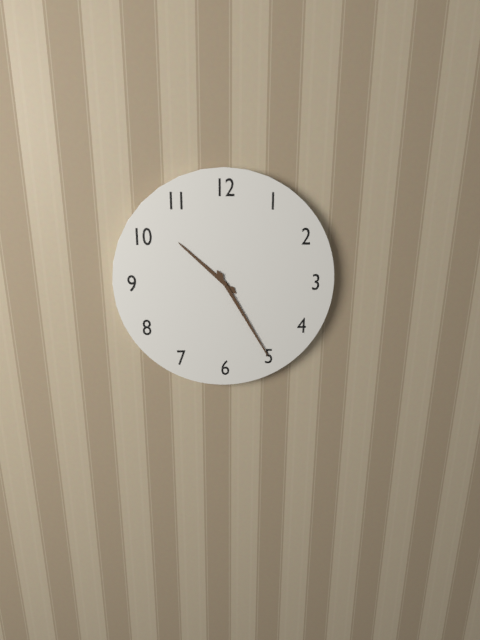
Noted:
10,25
